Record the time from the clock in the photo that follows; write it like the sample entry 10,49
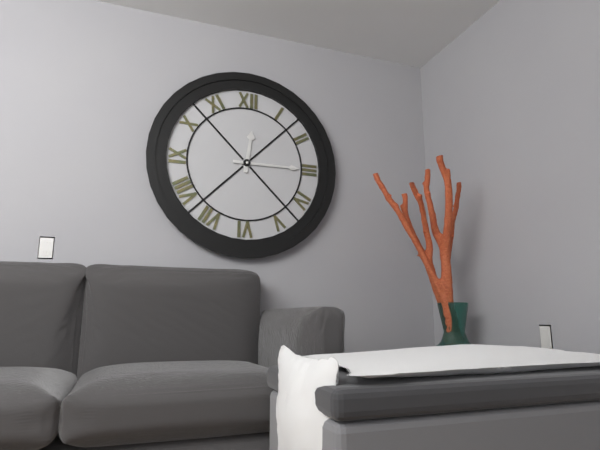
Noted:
12,15
